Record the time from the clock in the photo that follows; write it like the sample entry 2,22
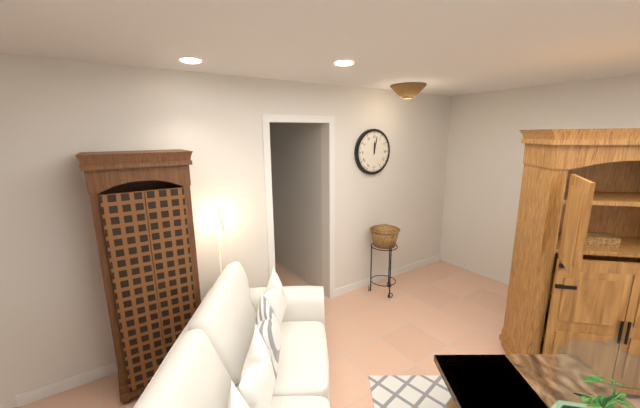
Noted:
12,02
